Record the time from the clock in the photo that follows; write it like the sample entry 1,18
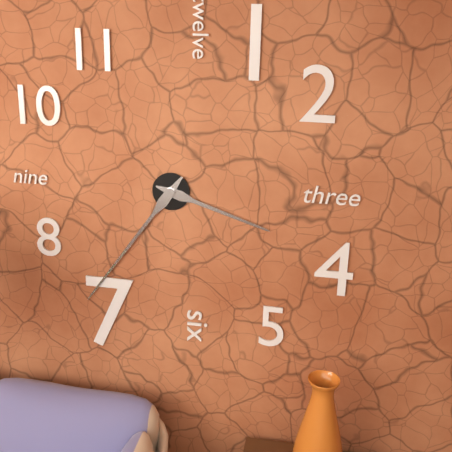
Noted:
3,36
